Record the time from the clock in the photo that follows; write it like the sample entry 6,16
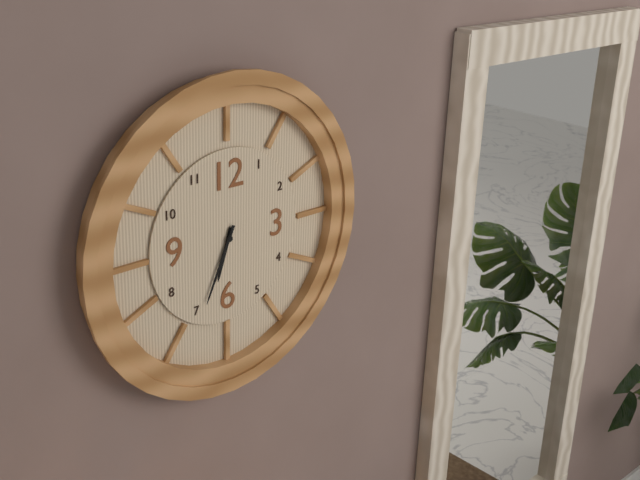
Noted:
6,34
